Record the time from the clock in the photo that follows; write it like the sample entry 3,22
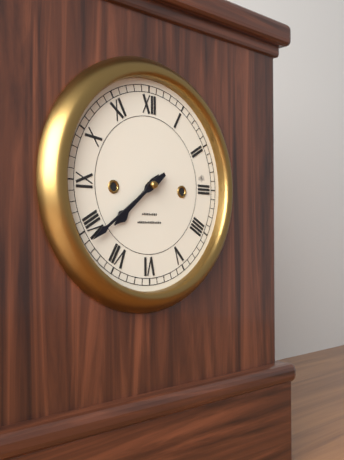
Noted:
7,39
